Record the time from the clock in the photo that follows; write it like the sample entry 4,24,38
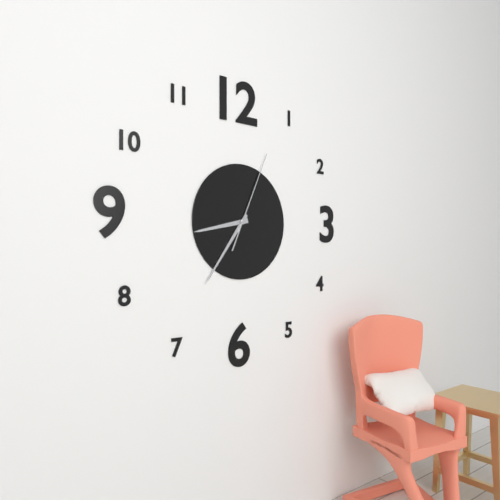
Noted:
8,36,04
